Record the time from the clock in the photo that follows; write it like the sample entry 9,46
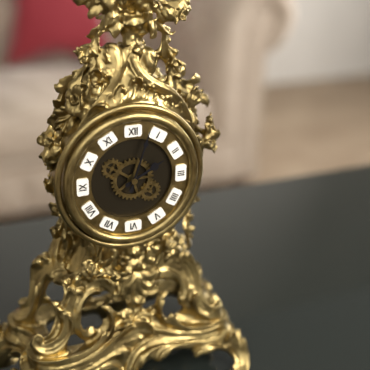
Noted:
2,03
